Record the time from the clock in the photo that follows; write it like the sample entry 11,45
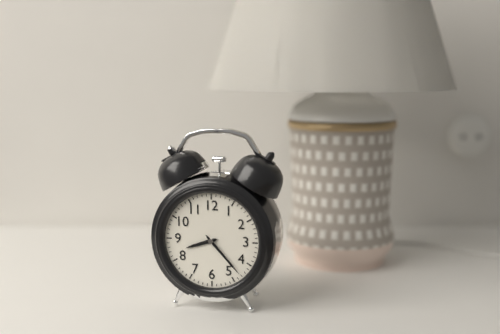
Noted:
8,23
